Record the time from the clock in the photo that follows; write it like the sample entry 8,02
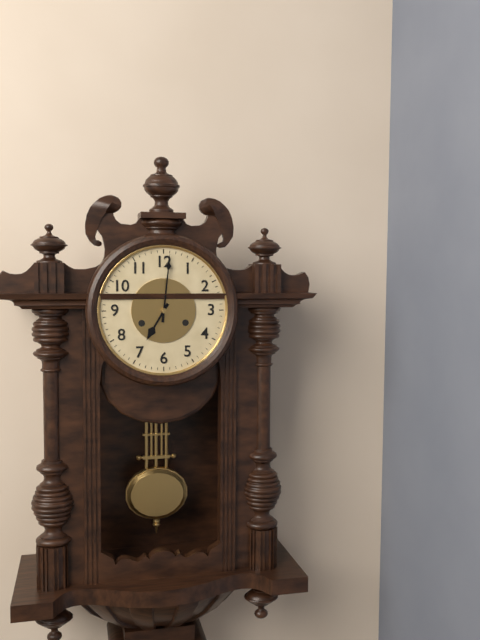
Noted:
7,01
